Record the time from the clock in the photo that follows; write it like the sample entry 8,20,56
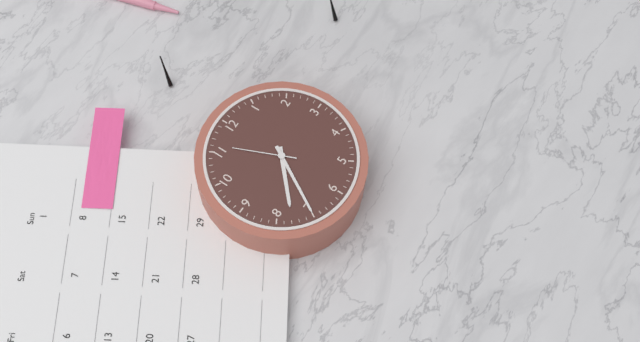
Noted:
7,35,56
